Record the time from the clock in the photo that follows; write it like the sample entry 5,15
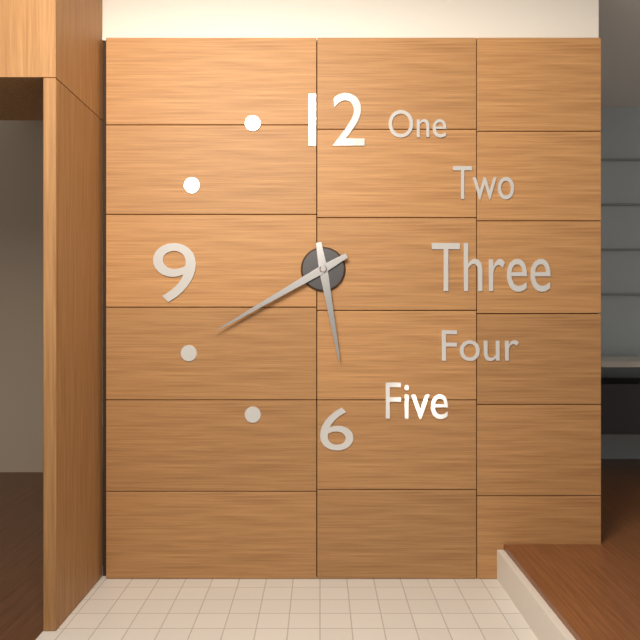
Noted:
5,40
